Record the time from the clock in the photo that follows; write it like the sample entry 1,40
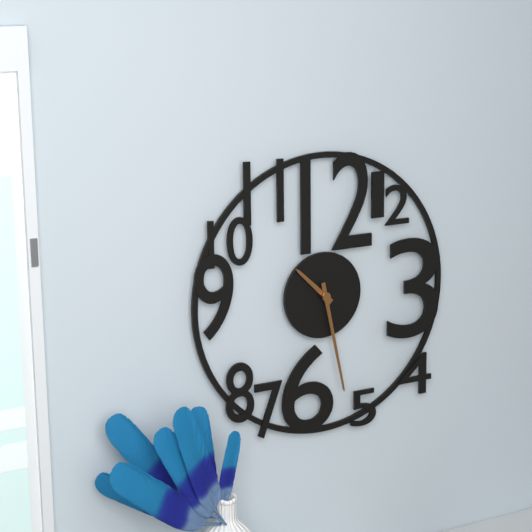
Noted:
10,28
